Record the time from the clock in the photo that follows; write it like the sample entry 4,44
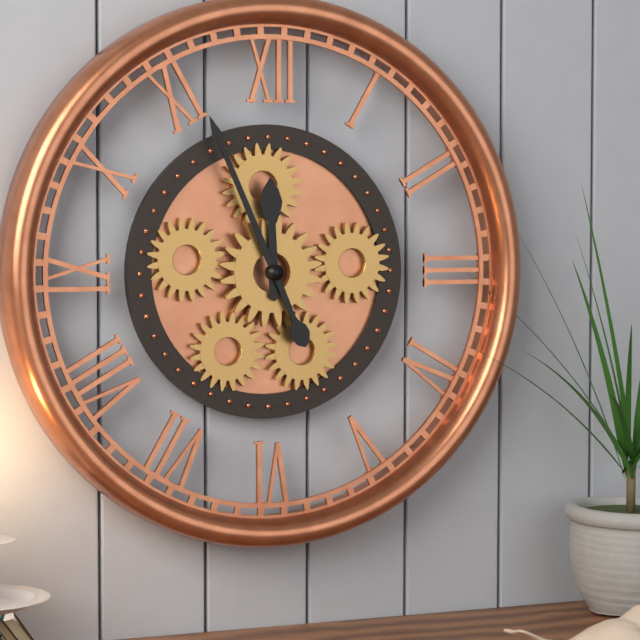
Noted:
11,56
